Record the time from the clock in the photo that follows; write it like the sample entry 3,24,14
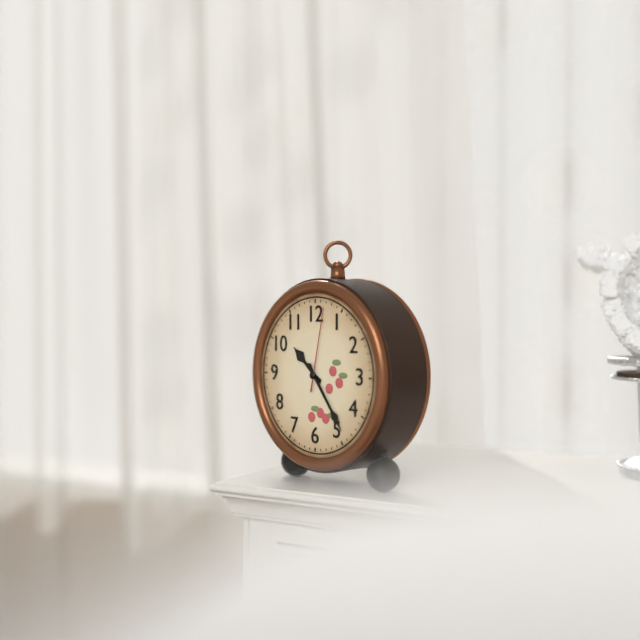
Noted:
10,24,02
